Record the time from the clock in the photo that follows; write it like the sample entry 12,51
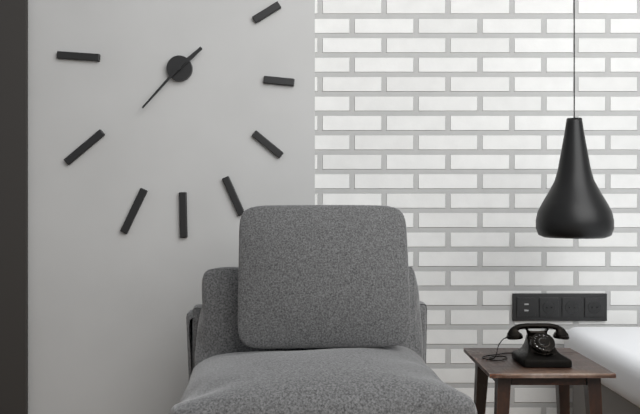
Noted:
1,37
